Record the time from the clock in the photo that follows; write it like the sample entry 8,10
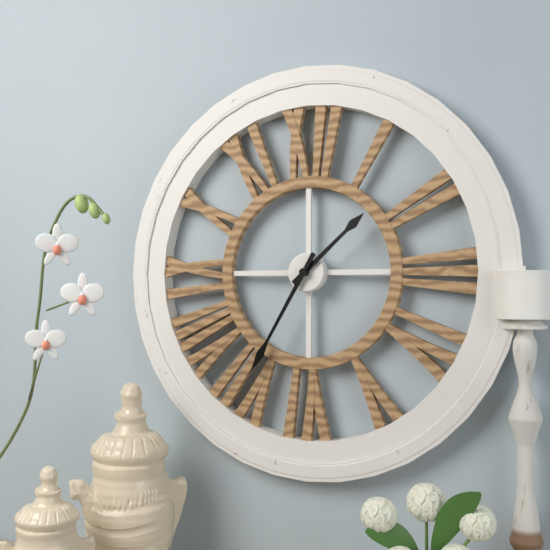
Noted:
1,35
